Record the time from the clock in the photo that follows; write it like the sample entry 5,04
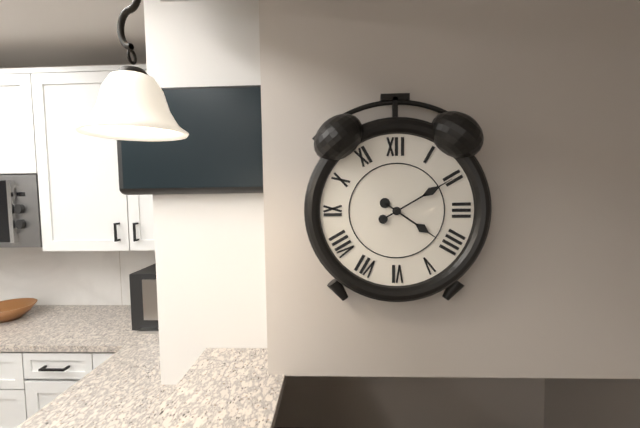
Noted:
4,10
